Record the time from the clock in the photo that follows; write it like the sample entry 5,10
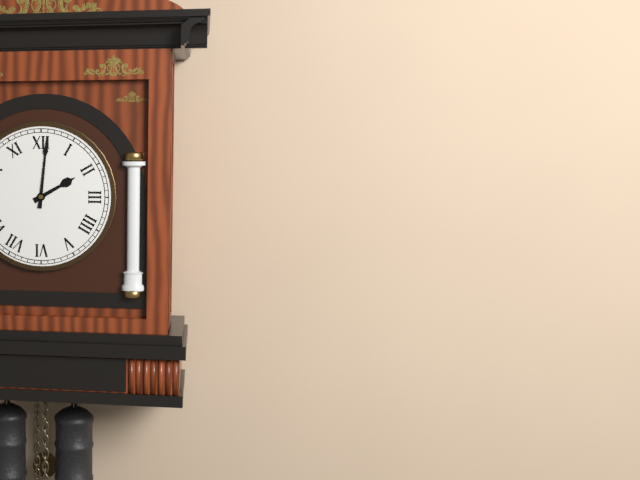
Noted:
2,01
